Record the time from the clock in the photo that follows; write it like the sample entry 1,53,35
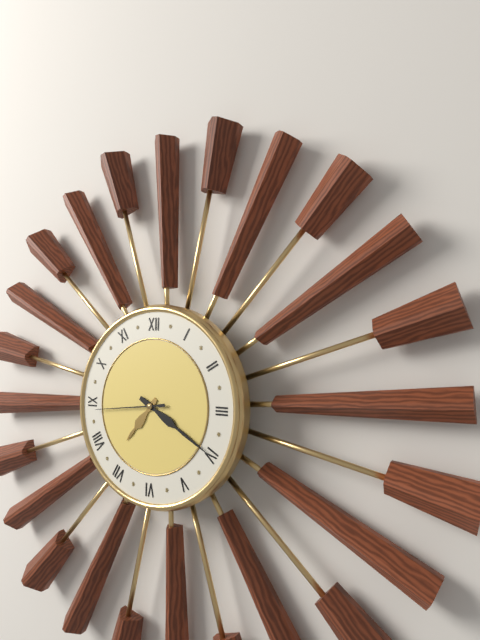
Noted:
7,20,44
